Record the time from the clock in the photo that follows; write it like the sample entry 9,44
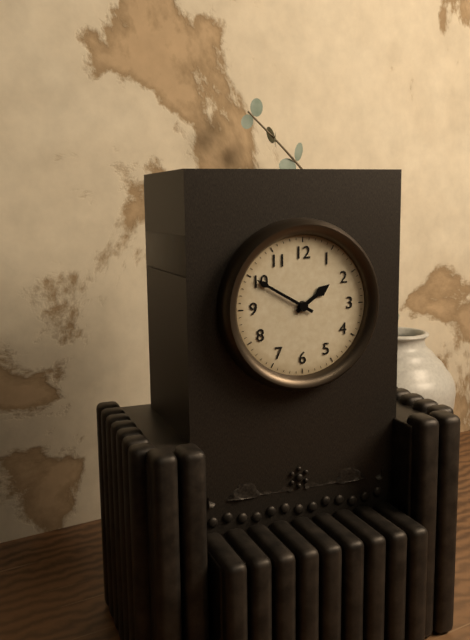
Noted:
1,50
